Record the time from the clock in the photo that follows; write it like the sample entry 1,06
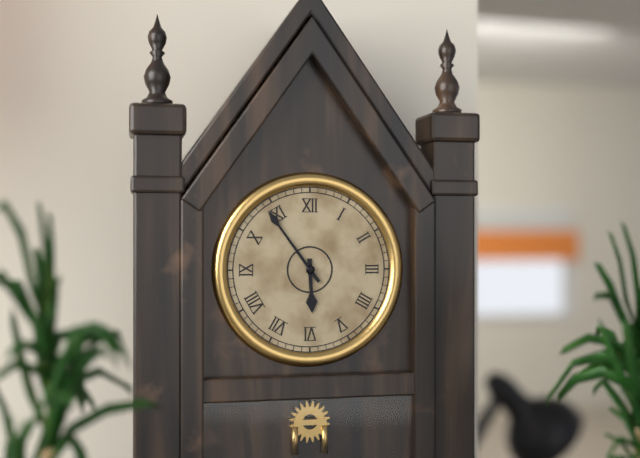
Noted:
5,54
